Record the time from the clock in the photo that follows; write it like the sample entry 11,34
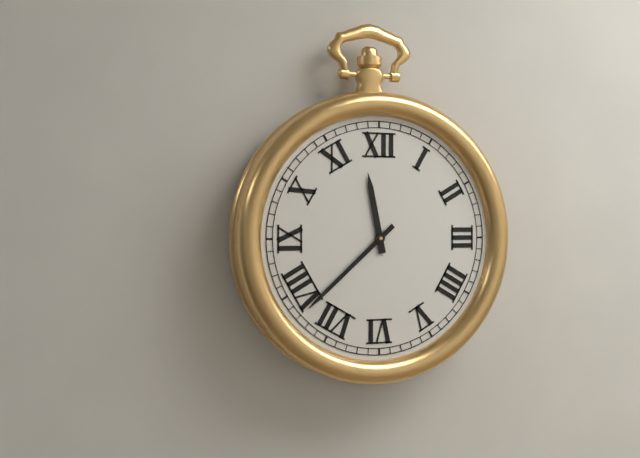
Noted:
11,38
